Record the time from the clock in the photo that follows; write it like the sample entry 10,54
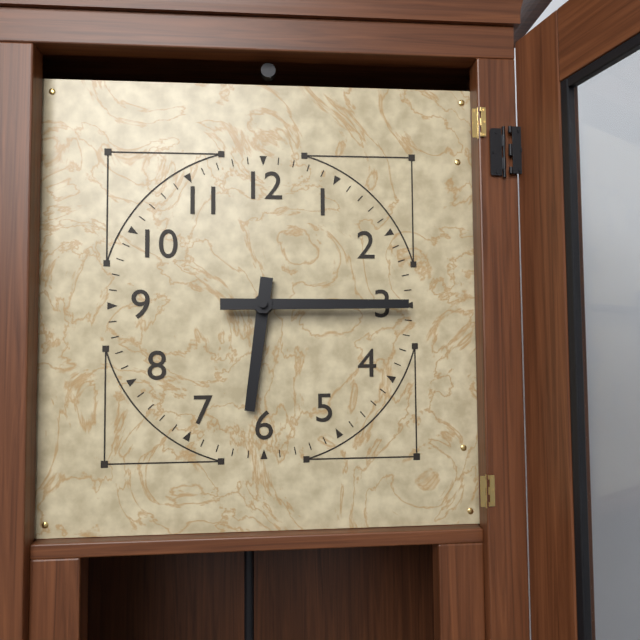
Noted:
6,15
